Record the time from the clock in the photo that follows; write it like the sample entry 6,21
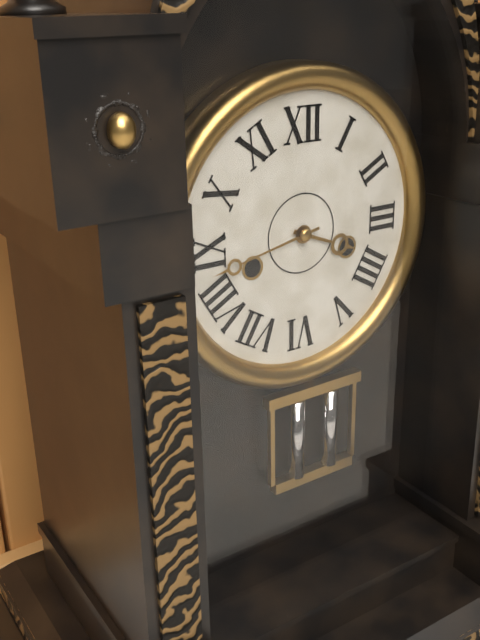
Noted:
3,43
